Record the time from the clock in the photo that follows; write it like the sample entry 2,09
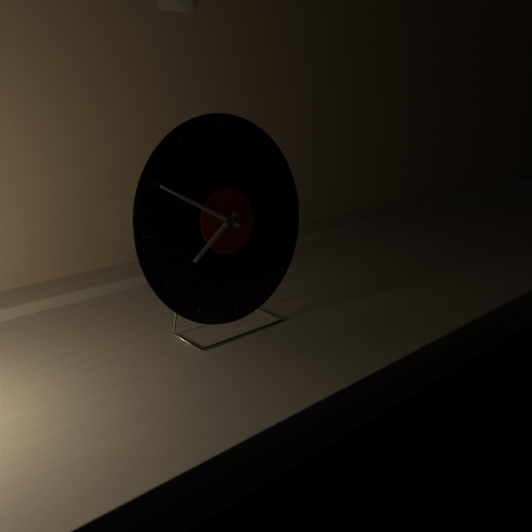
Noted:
7,50
